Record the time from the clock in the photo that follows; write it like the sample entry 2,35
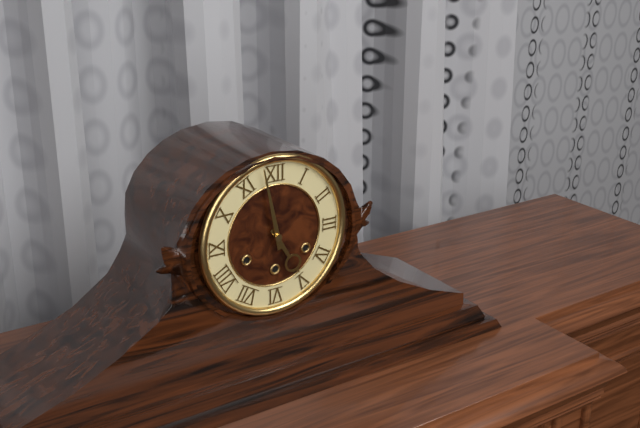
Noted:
4,58
